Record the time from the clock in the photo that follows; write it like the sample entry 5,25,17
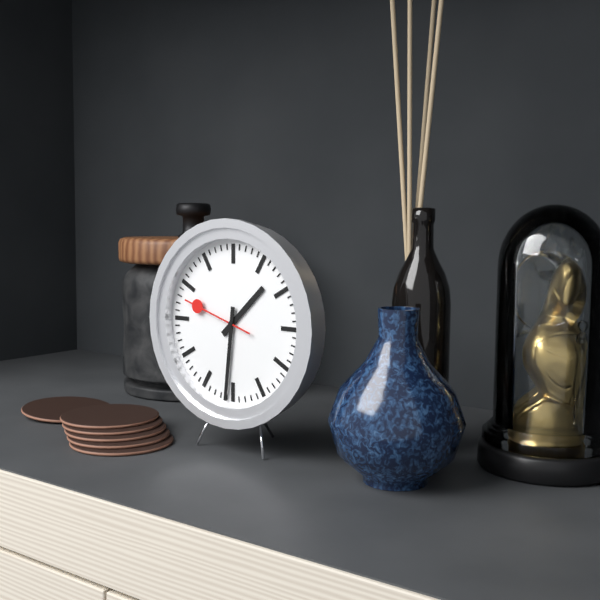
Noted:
1,31,48
